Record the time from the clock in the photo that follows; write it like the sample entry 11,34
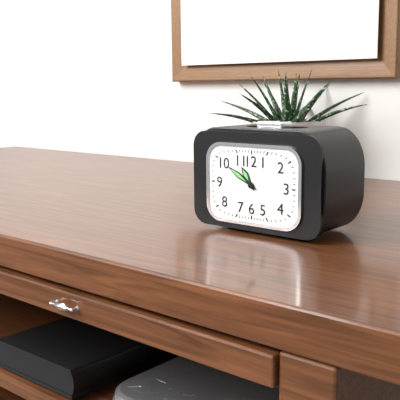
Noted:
10,50
